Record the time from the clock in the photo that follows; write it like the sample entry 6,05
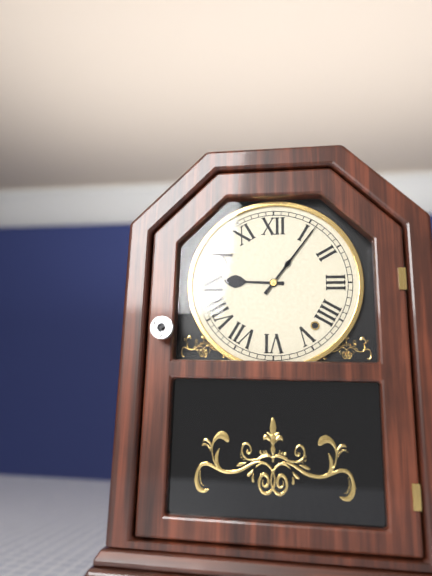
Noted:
9,06
